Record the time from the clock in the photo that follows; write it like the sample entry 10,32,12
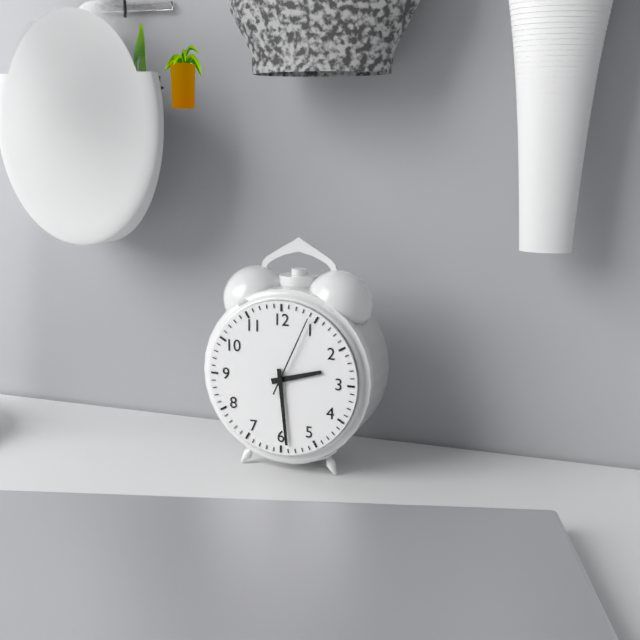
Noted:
2,29,04
